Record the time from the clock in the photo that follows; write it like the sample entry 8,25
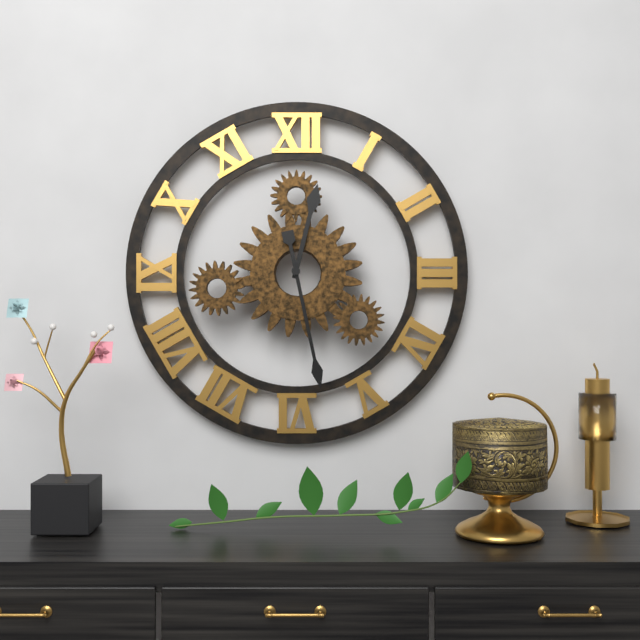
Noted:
12,28
